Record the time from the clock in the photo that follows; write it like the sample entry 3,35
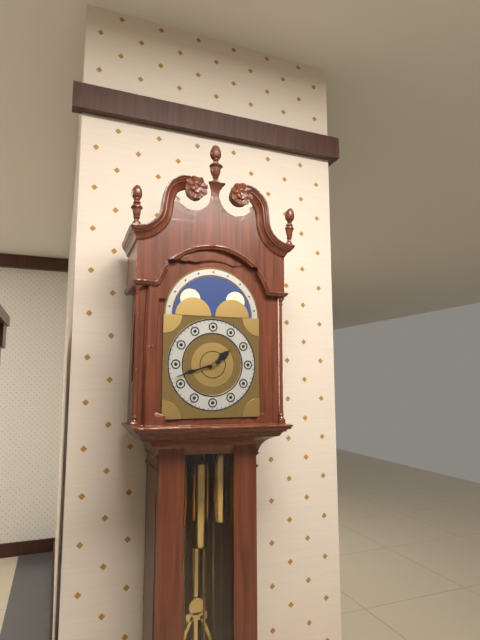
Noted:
1,42
